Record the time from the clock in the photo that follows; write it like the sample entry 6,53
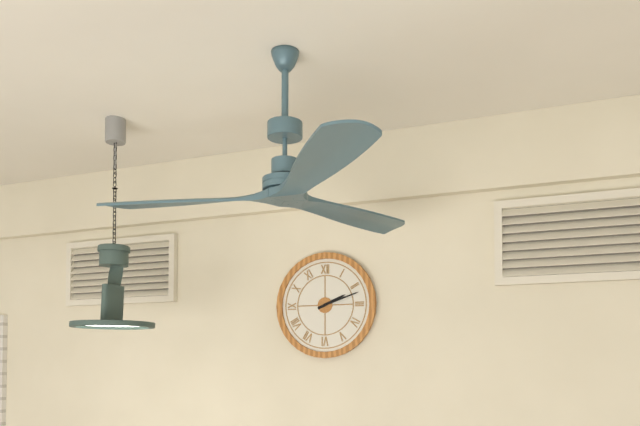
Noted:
2,12
